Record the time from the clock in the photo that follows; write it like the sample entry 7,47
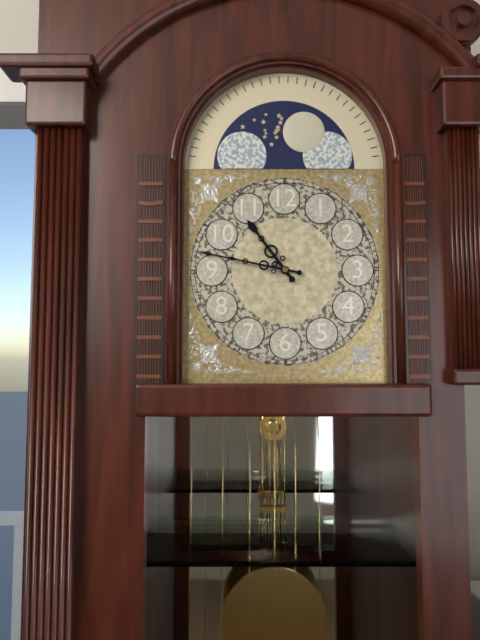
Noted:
10,47
